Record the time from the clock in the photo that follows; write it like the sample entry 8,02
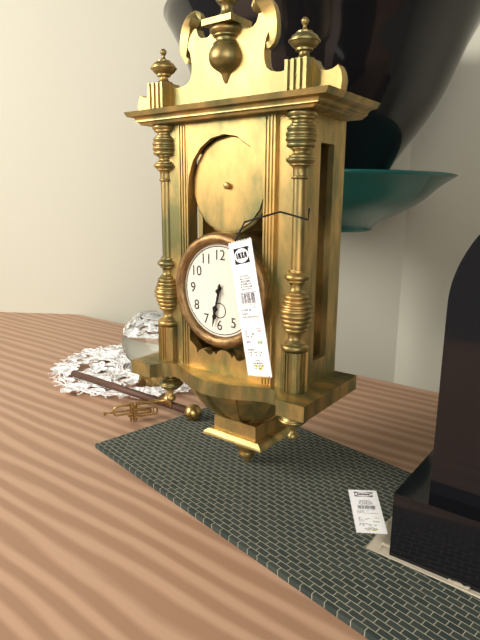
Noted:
6,32
